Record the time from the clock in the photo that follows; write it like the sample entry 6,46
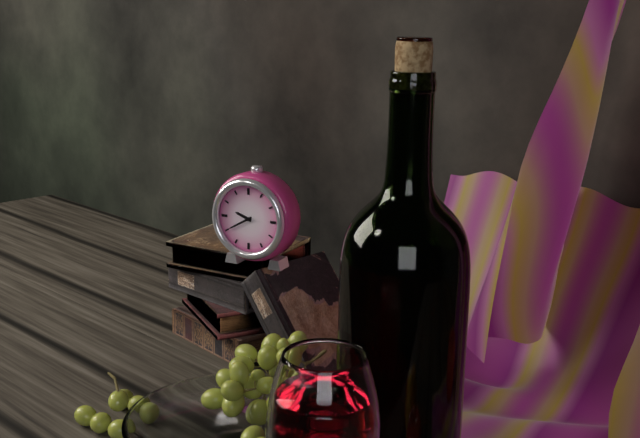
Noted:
9,40
